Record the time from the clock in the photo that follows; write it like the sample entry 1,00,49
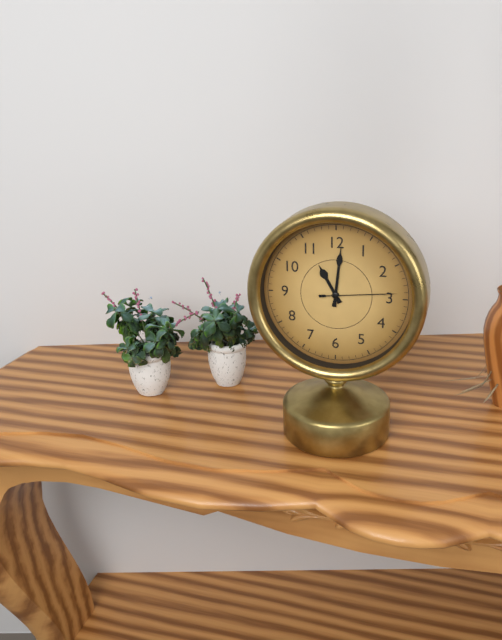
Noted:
11,01,14
